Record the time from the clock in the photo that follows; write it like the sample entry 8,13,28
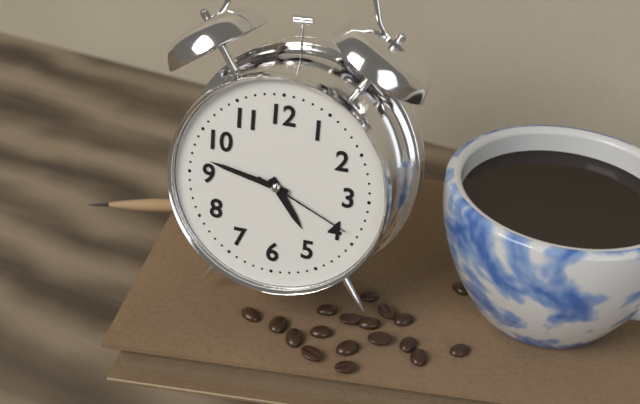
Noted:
4,47,19
